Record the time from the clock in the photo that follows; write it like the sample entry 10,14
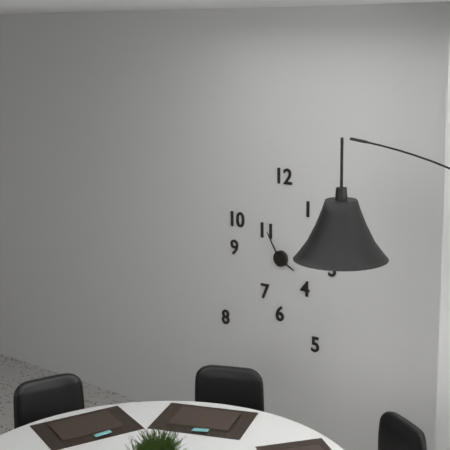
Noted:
3,55
